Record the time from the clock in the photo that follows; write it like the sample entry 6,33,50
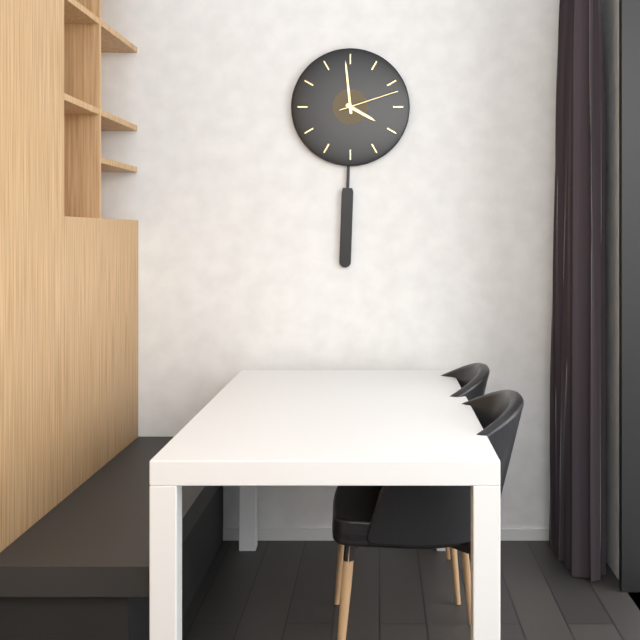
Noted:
3,59,12
